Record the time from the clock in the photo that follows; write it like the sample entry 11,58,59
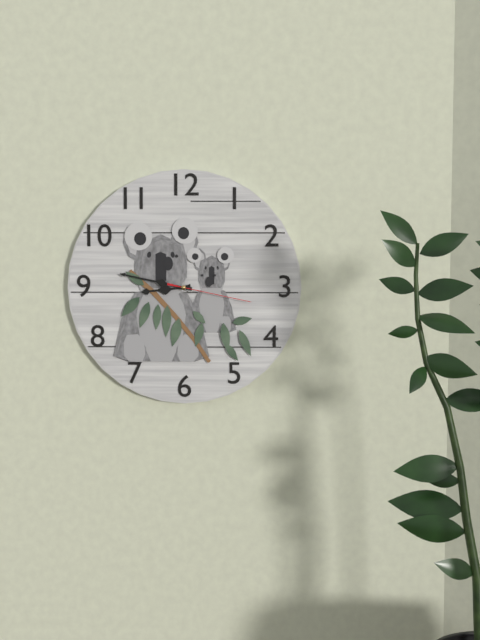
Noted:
8,47,17
